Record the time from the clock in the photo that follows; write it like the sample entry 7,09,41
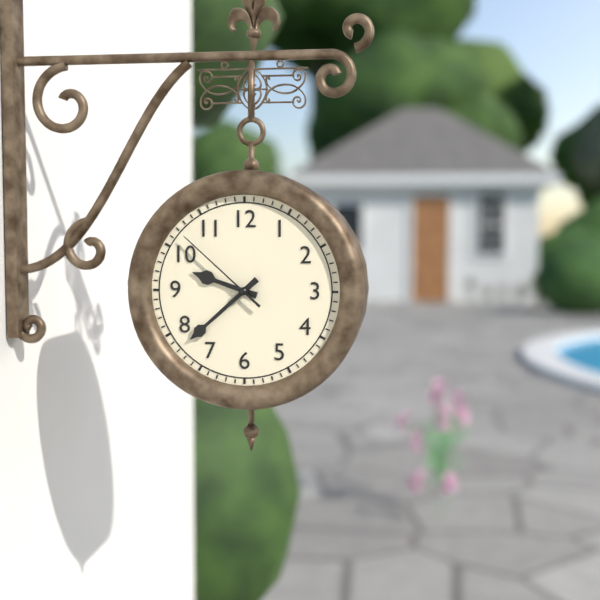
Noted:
9,38,52
